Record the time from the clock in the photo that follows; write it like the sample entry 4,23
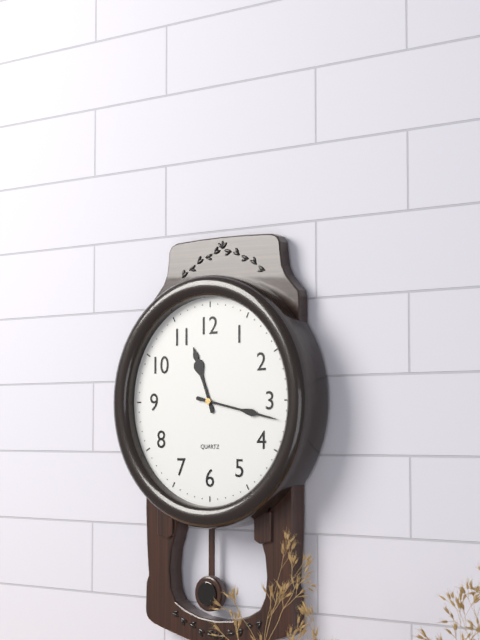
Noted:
11,17
